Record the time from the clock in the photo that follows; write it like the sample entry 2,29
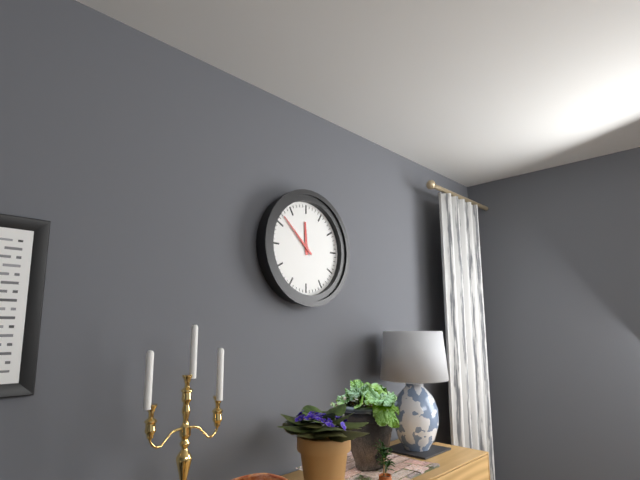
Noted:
11,52
